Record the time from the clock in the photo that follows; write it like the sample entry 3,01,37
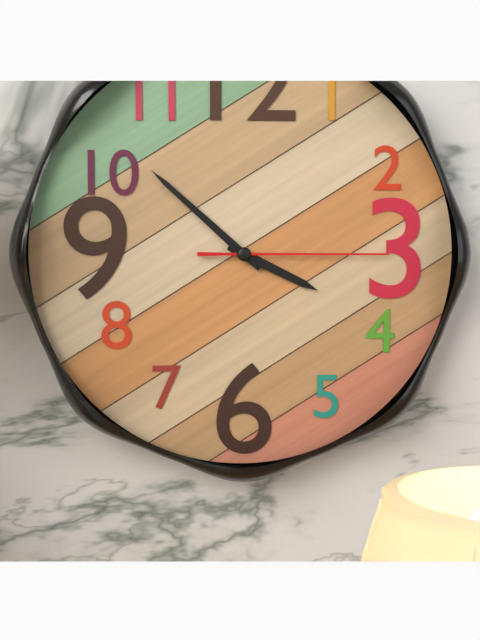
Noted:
3,52,15
